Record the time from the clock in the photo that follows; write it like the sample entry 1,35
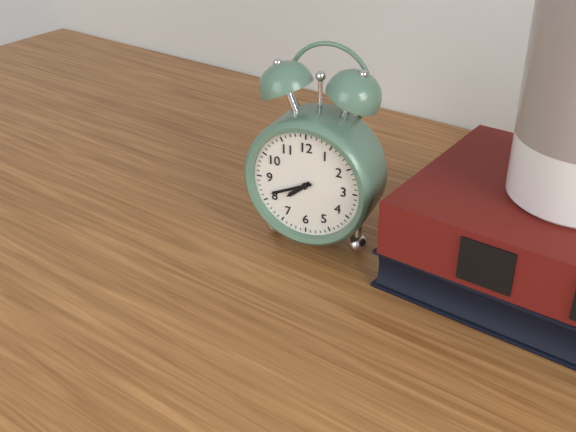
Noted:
7,41
